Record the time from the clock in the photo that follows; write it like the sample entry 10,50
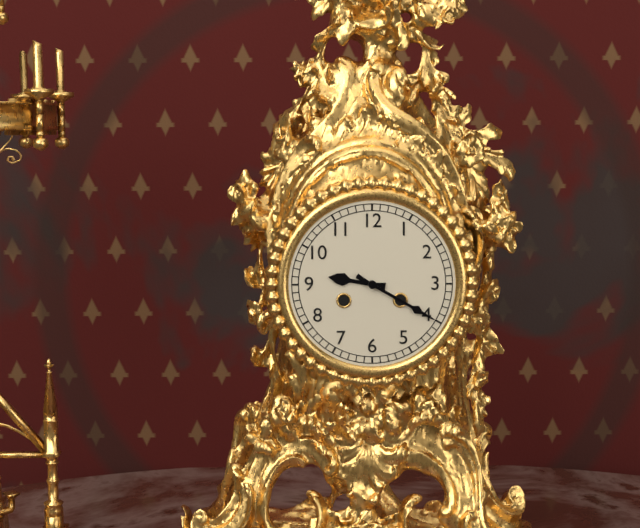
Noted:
9,20
